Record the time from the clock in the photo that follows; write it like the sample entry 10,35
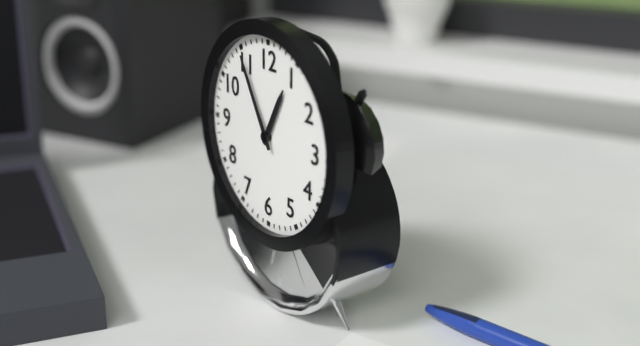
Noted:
12,55
